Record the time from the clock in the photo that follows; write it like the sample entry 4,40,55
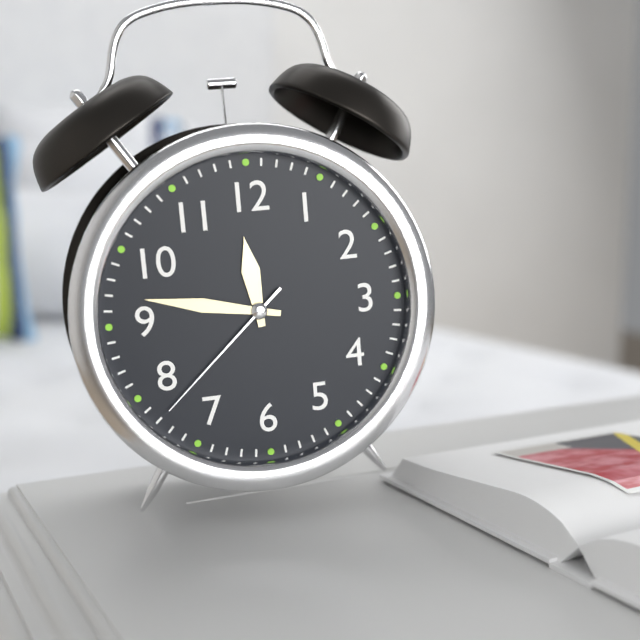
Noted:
11,47,38
